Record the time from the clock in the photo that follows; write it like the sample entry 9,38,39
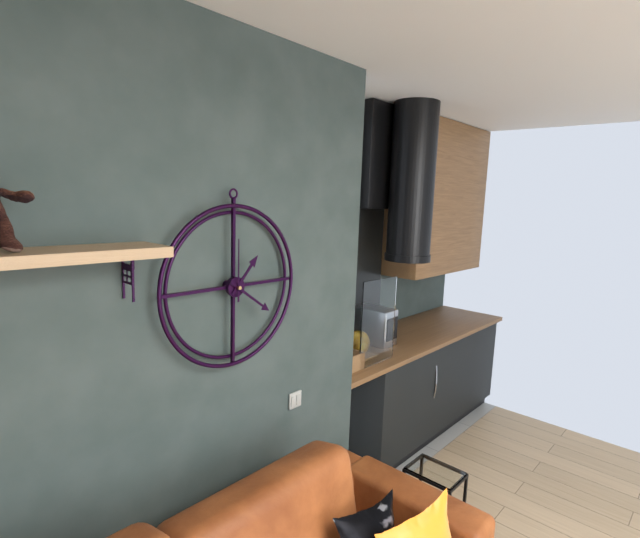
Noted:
1,21,00
